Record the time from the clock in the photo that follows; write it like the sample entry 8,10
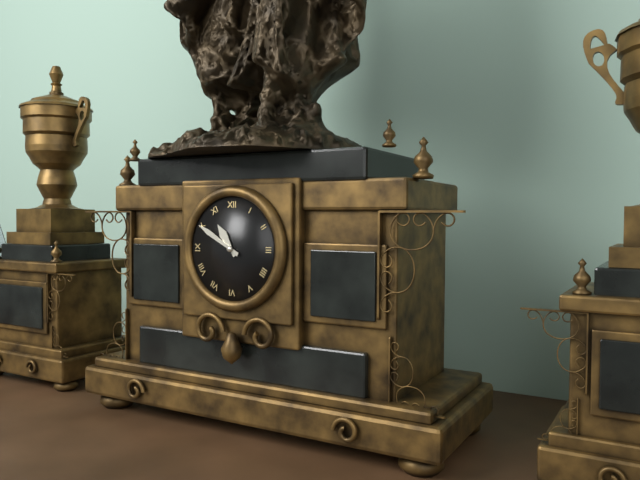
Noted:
10,50
